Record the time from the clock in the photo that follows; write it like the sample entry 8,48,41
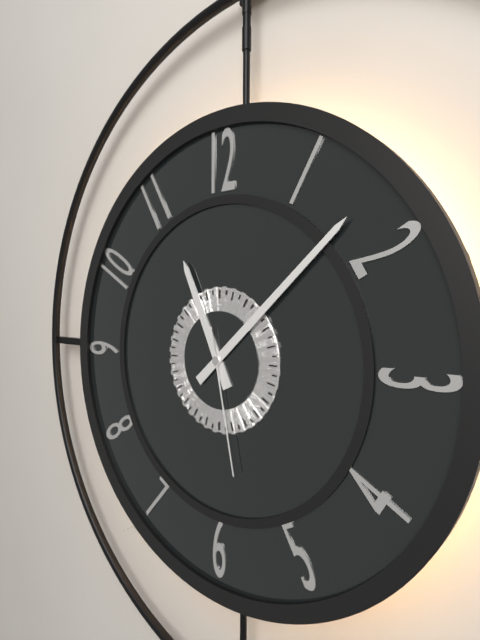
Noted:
11,08,28
